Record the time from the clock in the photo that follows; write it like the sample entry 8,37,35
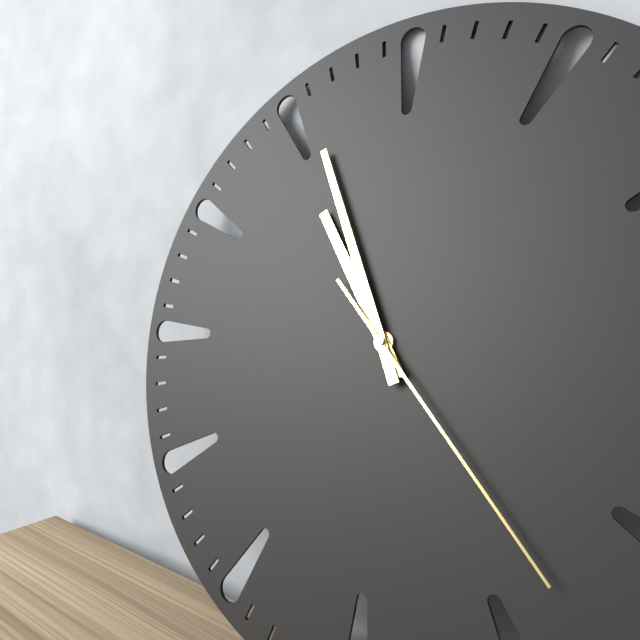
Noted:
10,56,23
